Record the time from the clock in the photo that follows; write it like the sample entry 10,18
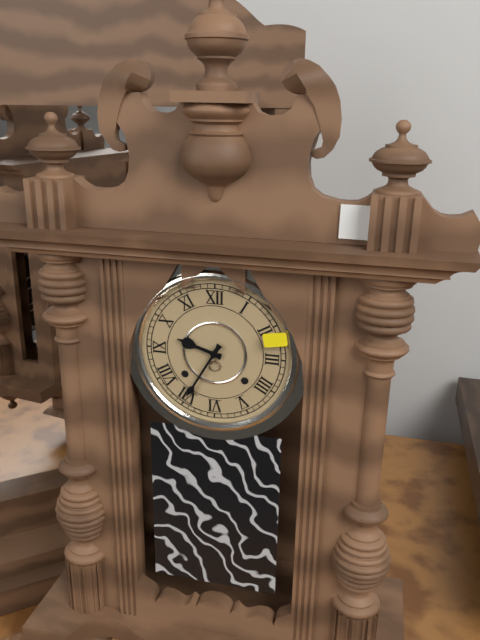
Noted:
9,35
